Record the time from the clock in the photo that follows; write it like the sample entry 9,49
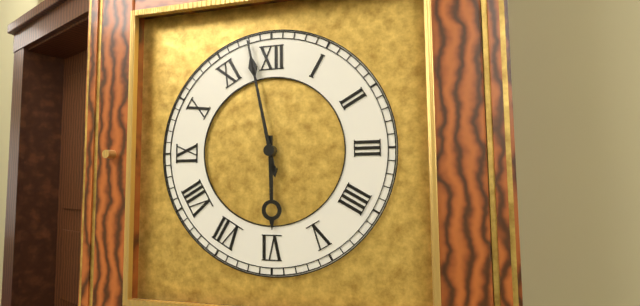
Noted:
5,58
